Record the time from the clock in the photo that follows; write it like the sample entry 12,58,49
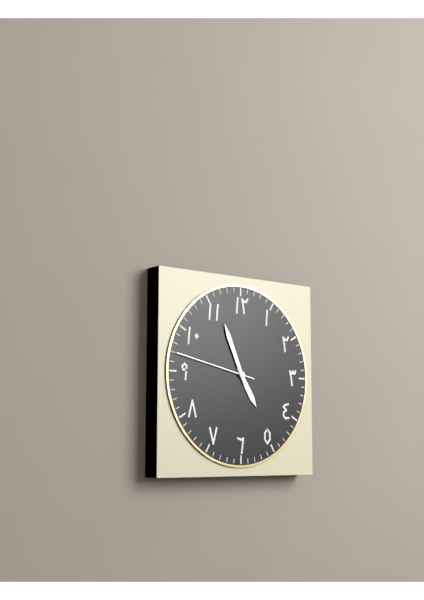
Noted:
4,56,47
